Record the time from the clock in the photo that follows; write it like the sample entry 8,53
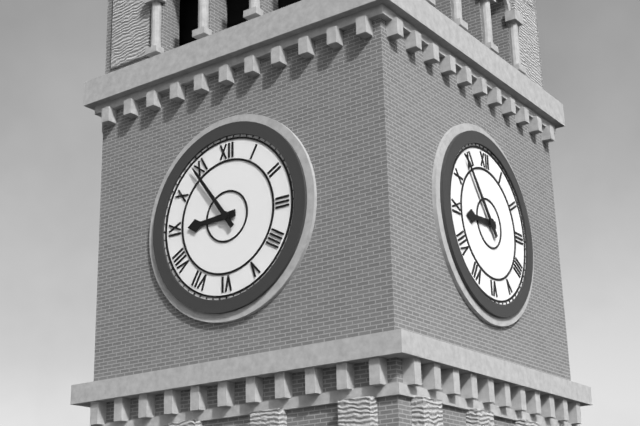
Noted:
8,54
